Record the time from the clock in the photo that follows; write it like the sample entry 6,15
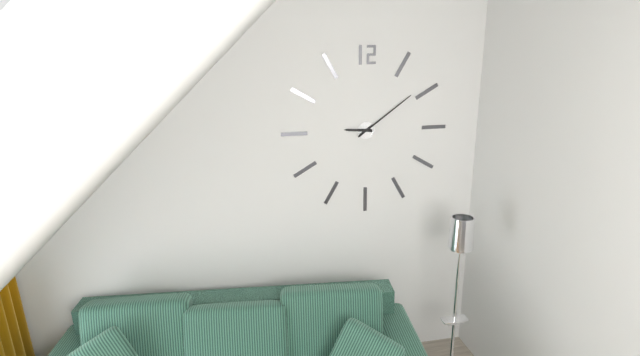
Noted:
9,09
